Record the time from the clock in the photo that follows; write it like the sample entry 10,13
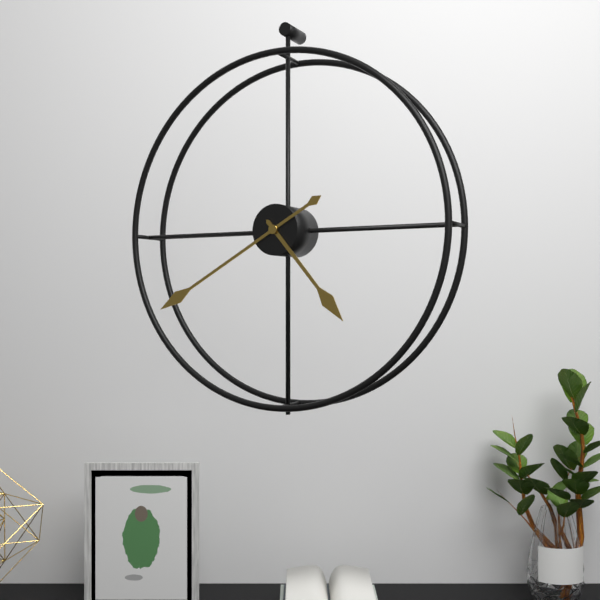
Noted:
4,40
